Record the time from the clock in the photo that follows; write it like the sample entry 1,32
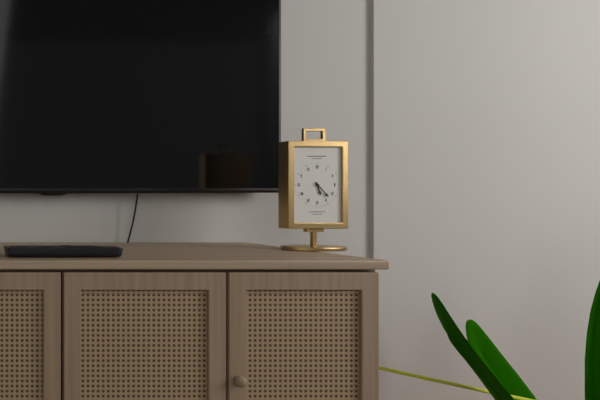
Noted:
5,23
